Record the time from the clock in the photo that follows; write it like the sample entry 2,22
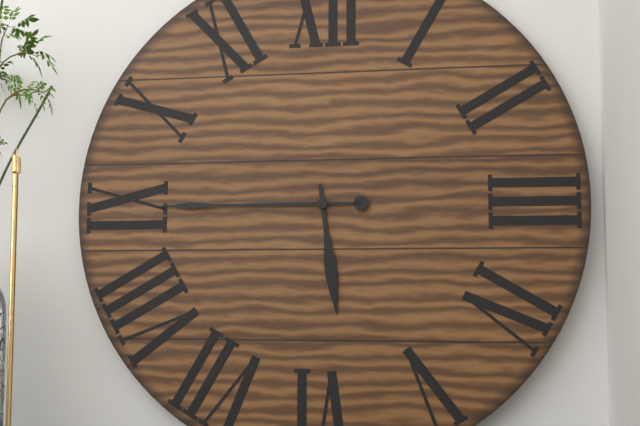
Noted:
5,45
